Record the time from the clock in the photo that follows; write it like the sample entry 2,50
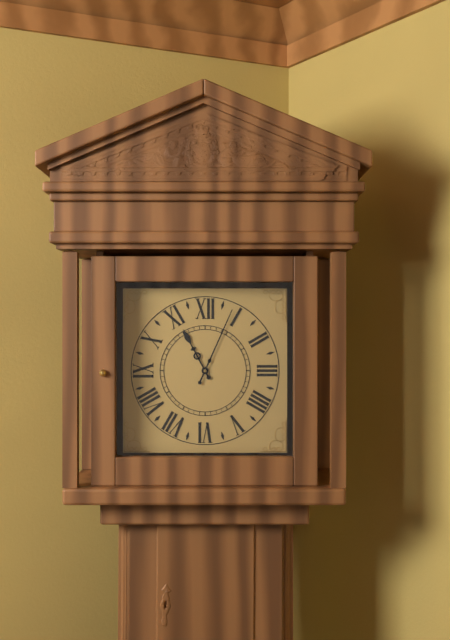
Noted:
11,04
